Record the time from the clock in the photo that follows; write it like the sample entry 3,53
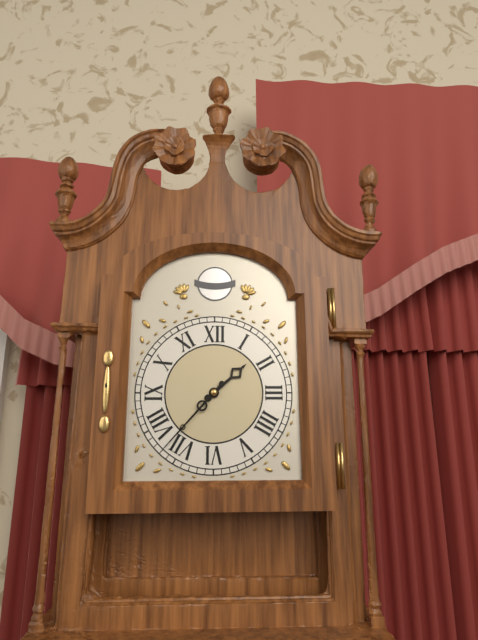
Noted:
1,37
